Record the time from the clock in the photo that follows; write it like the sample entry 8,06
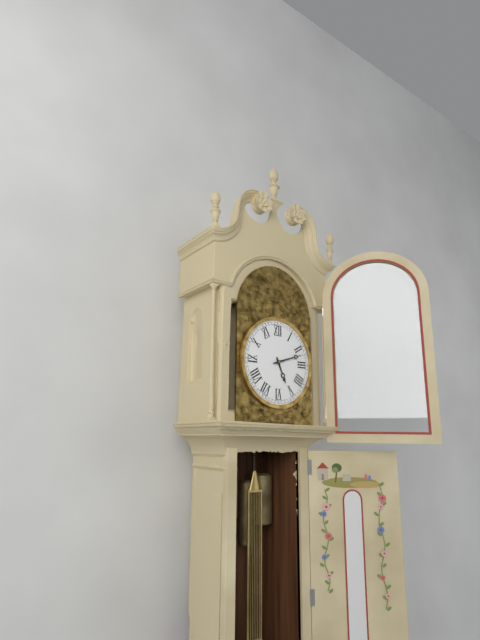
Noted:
5,12
